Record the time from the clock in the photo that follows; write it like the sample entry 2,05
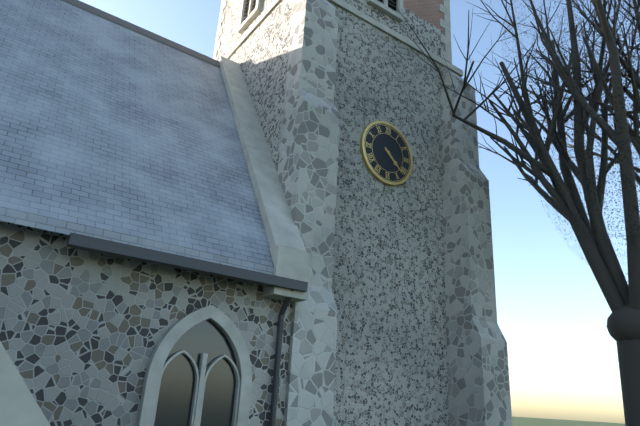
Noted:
4,22
